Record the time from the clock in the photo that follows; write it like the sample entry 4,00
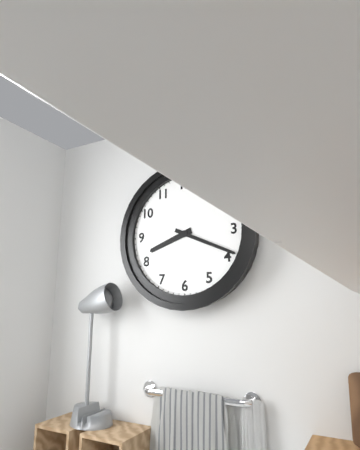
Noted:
8,19
